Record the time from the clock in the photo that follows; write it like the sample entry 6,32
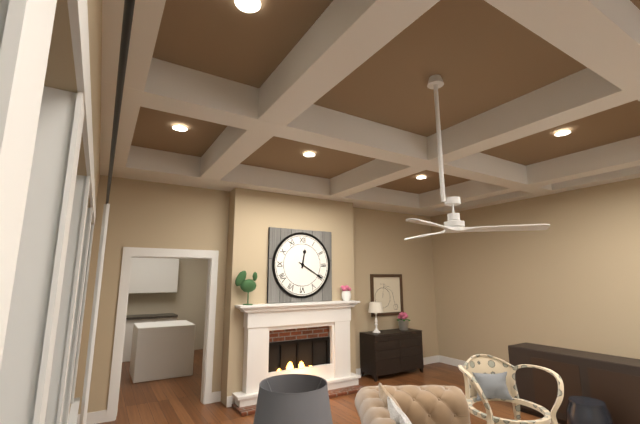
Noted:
12,20
